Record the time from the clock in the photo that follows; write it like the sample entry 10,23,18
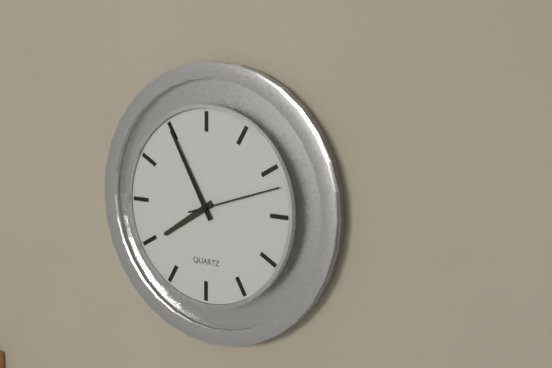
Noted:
7,55,12
